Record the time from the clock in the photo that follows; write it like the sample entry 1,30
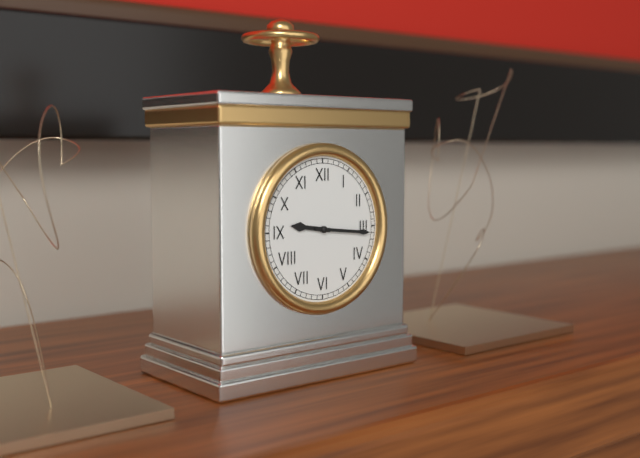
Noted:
9,16
